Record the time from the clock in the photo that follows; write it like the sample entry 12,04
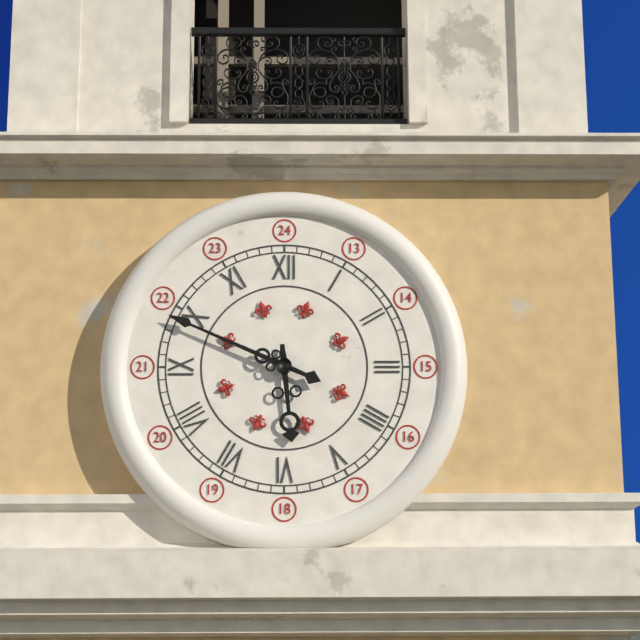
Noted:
5,49
